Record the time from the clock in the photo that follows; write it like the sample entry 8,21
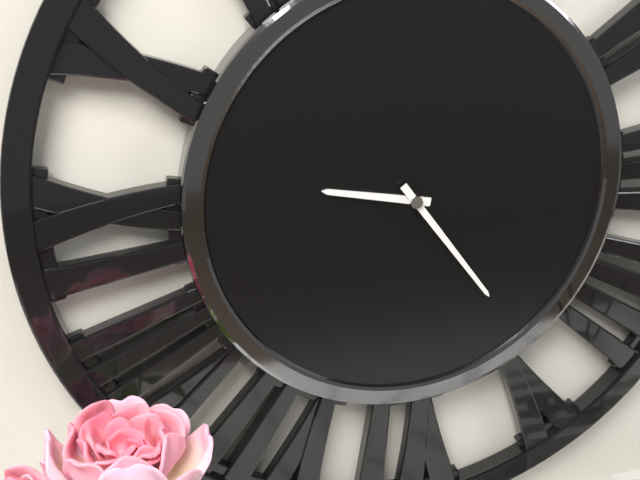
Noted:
9,24
